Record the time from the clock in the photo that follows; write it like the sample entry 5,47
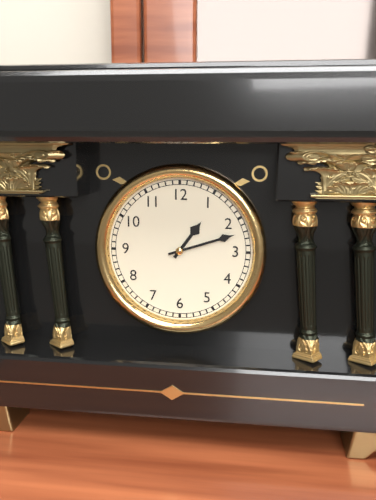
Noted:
1,12
